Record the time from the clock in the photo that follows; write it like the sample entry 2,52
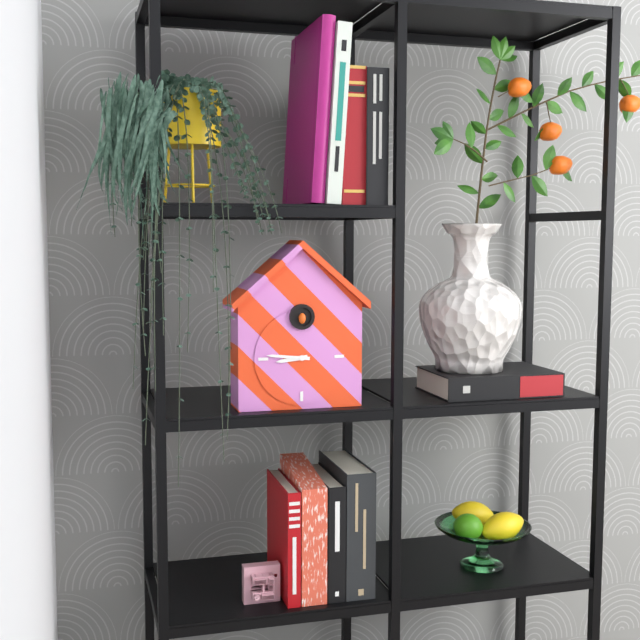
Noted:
8,46
